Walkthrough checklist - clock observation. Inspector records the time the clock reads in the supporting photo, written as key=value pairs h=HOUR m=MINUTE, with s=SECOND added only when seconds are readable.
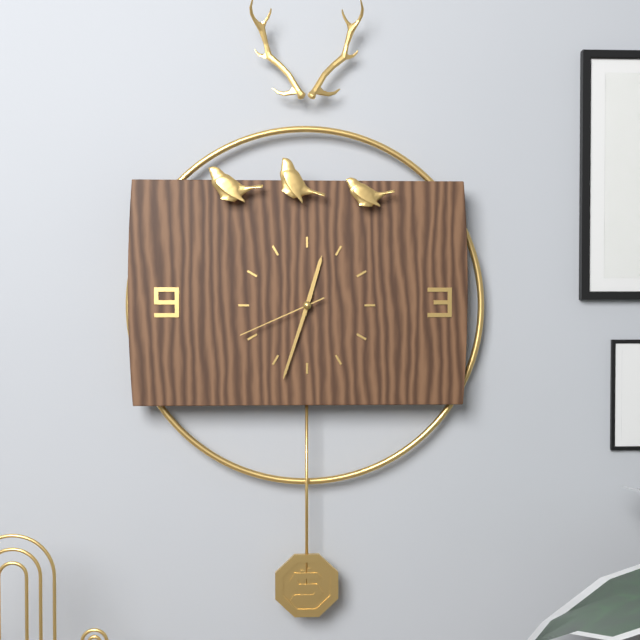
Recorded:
h=12 m=33 s=41
